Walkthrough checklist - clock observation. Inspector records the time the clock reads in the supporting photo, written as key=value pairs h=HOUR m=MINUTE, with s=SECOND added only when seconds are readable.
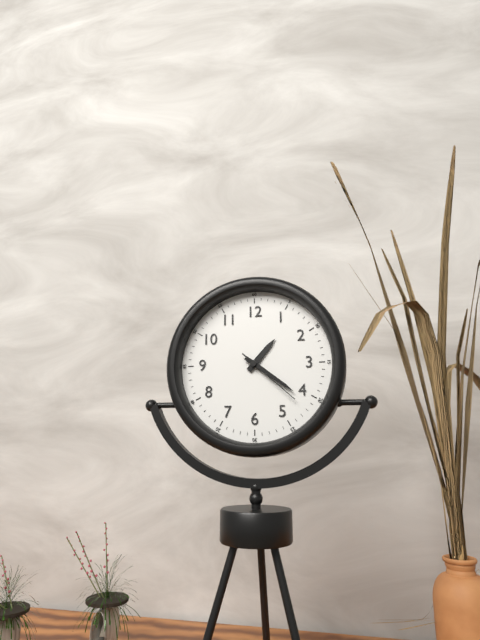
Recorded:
h=1 m=21 s=22
